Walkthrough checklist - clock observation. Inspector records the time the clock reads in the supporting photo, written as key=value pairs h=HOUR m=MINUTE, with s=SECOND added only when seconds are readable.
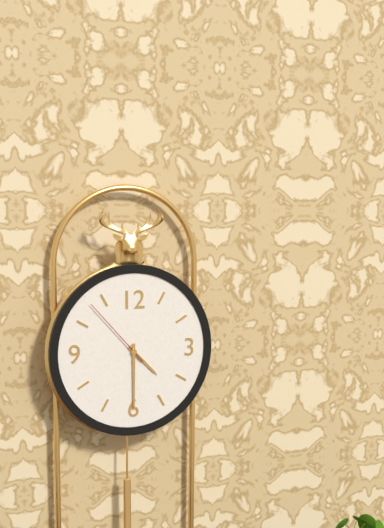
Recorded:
h=4 m=30 s=53
